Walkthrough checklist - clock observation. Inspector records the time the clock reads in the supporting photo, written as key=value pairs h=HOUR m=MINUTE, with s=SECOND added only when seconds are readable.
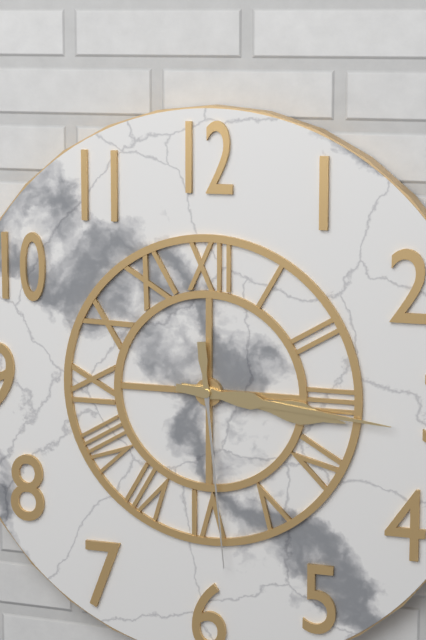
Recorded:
h=3 m=16 s=29
